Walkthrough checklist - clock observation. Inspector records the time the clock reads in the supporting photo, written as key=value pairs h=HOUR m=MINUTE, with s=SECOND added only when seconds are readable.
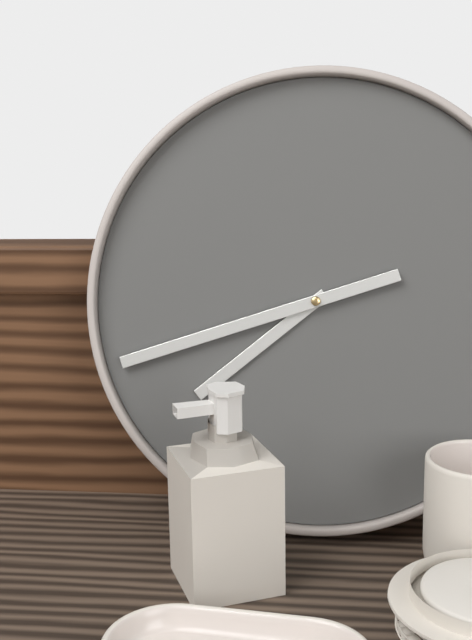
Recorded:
h=7 m=42
